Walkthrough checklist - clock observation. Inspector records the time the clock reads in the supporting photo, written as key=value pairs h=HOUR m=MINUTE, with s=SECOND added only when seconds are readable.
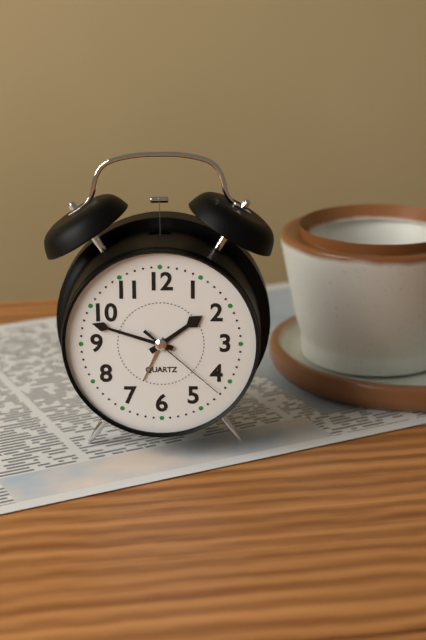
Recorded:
h=1 m=48 s=22
